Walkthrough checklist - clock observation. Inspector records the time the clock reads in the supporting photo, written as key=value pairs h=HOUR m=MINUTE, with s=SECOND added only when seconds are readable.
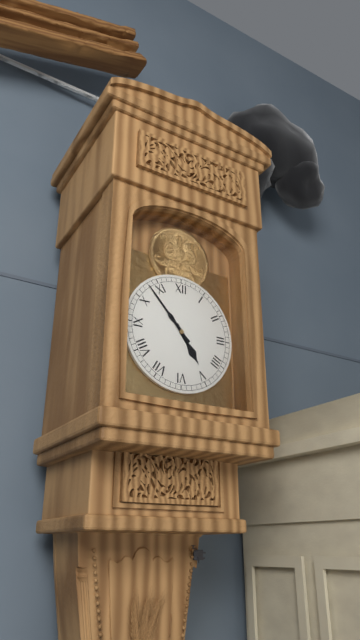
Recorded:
h=4 m=53
